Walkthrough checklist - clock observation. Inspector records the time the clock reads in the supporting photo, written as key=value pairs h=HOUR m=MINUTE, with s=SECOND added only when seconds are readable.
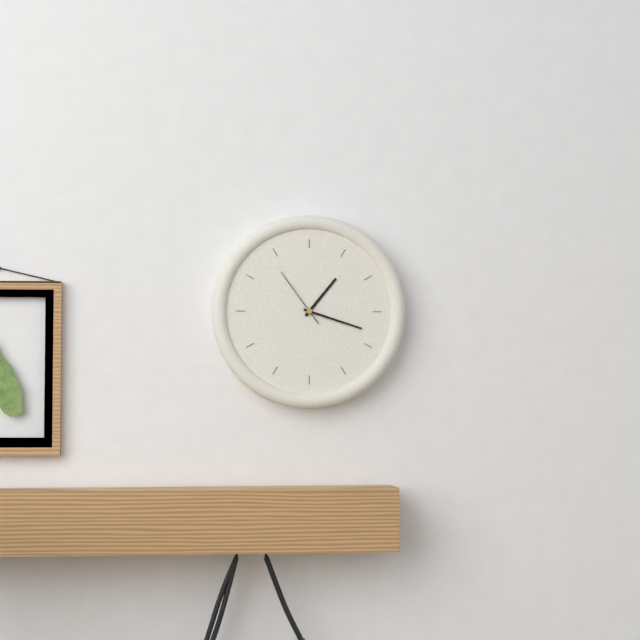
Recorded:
h=1 m=18 s=54
